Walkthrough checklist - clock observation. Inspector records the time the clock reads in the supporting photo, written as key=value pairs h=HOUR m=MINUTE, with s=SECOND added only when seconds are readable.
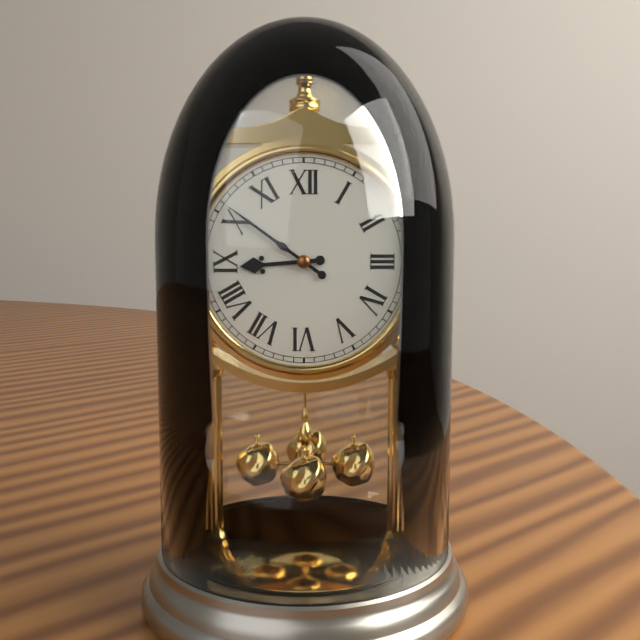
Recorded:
h=8 m=51
